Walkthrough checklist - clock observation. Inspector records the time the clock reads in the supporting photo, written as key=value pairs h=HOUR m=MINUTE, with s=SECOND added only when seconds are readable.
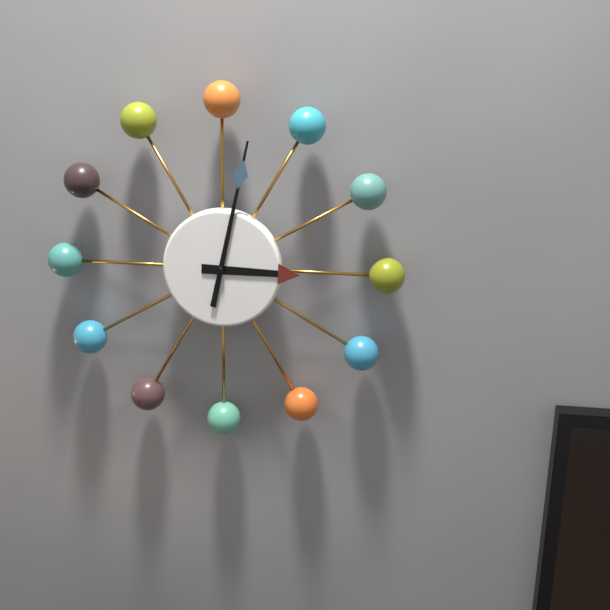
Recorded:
h=3 m=2
